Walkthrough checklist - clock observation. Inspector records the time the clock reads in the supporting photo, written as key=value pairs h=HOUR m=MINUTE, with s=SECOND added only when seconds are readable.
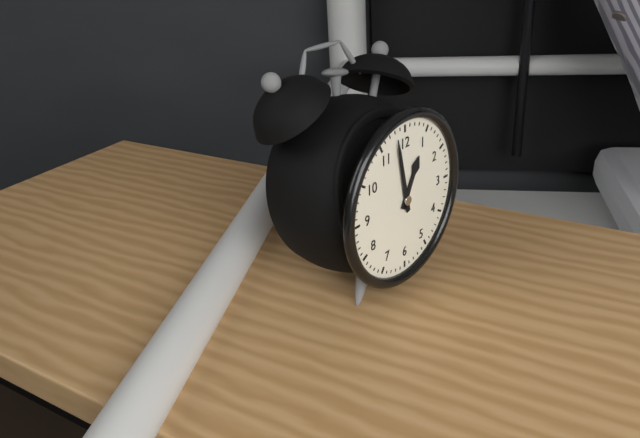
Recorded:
h=12 m=58
